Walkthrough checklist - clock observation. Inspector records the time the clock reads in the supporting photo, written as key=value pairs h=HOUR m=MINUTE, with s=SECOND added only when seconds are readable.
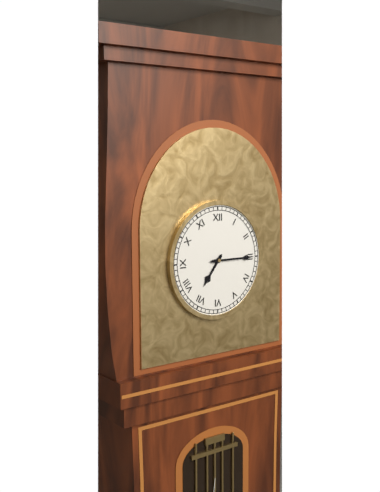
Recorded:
h=7 m=15
